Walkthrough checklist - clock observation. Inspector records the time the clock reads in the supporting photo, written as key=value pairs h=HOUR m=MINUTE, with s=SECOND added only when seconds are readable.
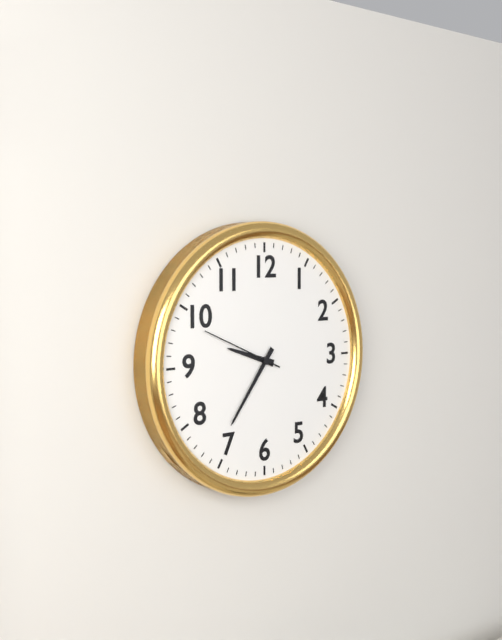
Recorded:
h=9 m=36 s=49
